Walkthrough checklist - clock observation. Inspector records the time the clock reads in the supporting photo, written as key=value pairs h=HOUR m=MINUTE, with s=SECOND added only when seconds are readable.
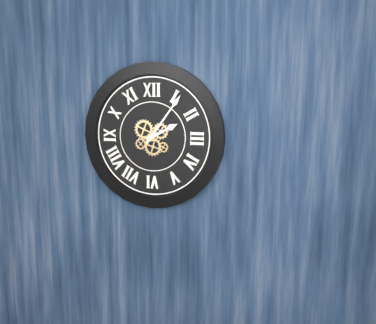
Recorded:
h=2 m=6
